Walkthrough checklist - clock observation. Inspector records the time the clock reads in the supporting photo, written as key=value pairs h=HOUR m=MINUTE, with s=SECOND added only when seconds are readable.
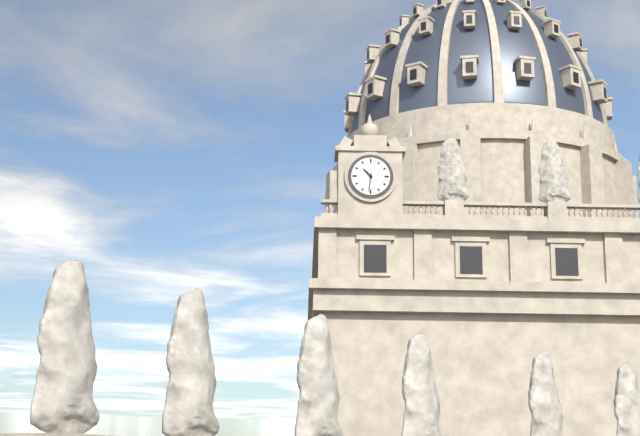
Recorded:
h=10 m=31
